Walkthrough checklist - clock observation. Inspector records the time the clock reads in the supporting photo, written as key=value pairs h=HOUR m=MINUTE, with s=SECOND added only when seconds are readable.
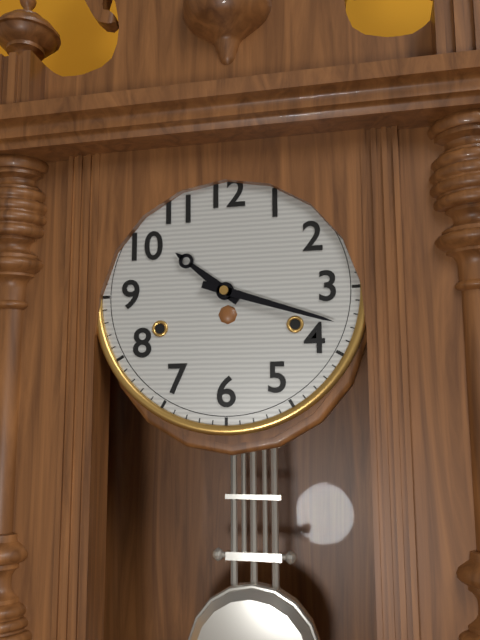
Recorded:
h=10 m=18
